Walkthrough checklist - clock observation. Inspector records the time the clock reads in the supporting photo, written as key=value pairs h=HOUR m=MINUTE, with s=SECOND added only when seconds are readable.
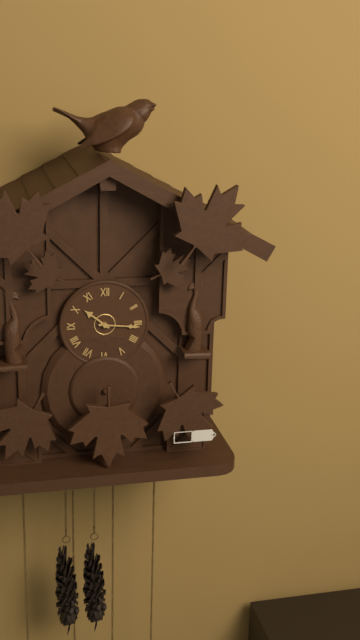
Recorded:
h=10 m=16
